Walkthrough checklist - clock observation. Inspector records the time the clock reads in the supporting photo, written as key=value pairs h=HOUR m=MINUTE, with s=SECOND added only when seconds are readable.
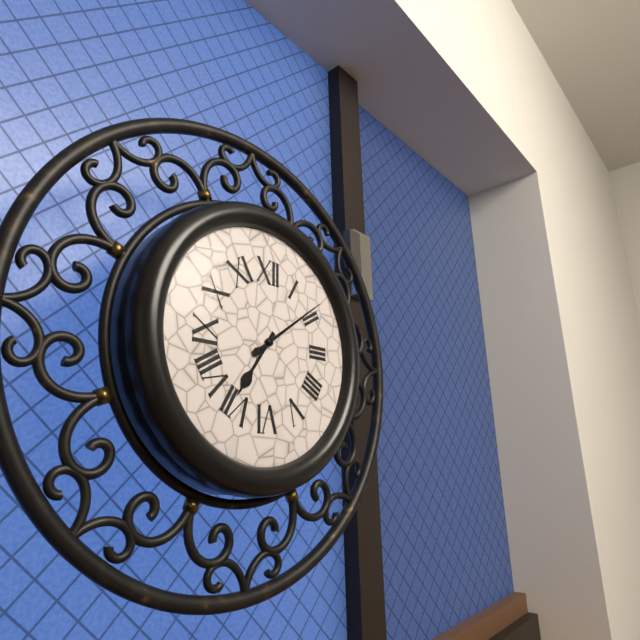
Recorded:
h=7 m=9
